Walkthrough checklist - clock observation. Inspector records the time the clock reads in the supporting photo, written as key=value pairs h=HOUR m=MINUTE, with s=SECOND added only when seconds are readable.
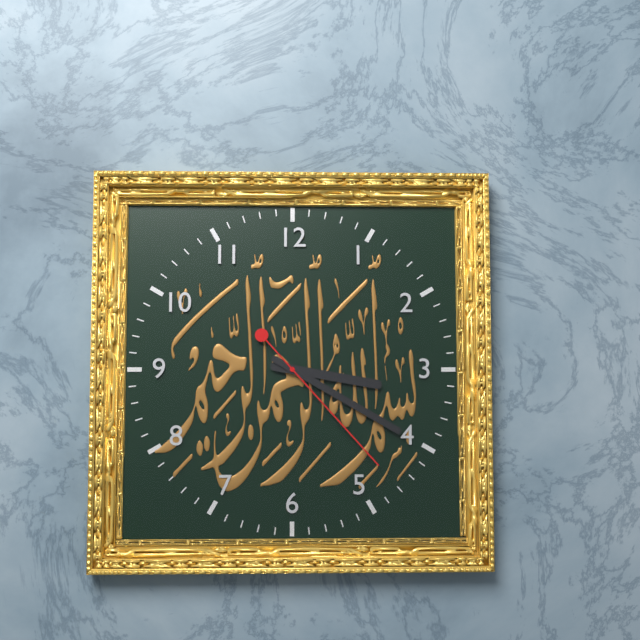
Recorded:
h=3 m=20 s=23
